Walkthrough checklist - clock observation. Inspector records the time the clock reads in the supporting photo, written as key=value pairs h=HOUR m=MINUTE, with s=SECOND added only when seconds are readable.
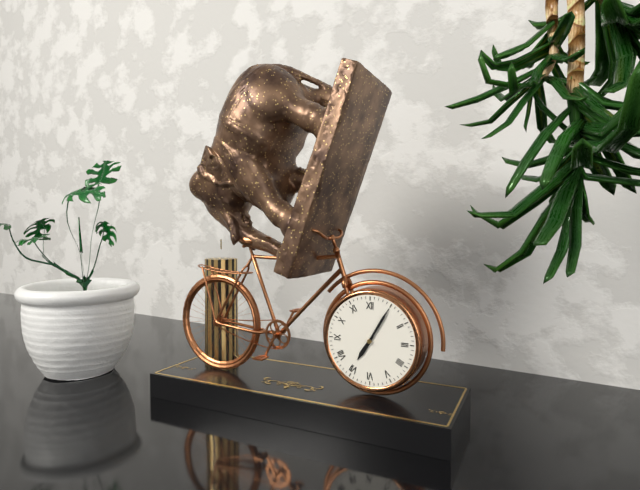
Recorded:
h=7 m=5
